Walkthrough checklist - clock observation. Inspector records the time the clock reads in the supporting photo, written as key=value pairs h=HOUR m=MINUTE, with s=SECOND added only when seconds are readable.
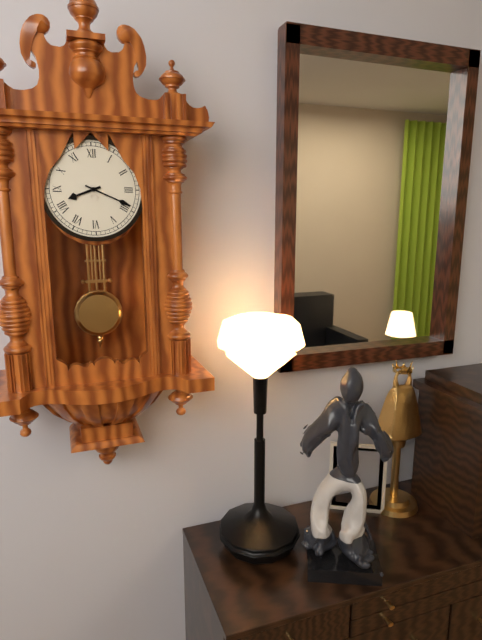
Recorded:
h=8 m=19
